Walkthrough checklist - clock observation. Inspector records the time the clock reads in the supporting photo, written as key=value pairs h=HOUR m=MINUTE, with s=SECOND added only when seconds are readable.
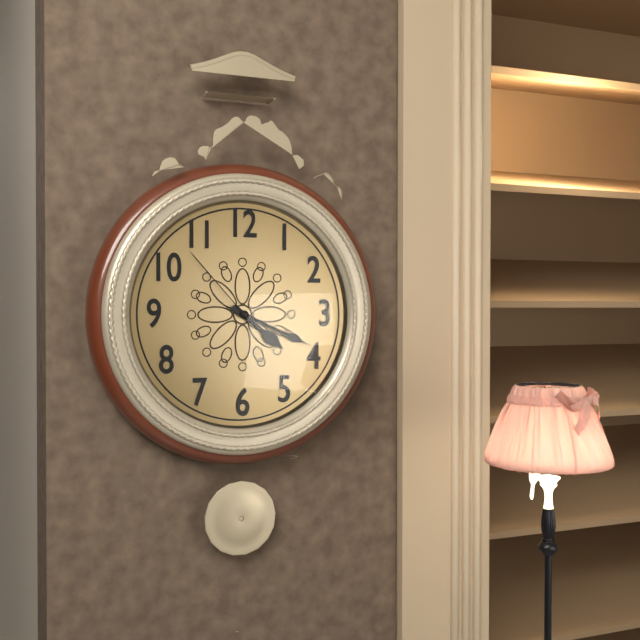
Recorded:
h=4 m=19 s=53
